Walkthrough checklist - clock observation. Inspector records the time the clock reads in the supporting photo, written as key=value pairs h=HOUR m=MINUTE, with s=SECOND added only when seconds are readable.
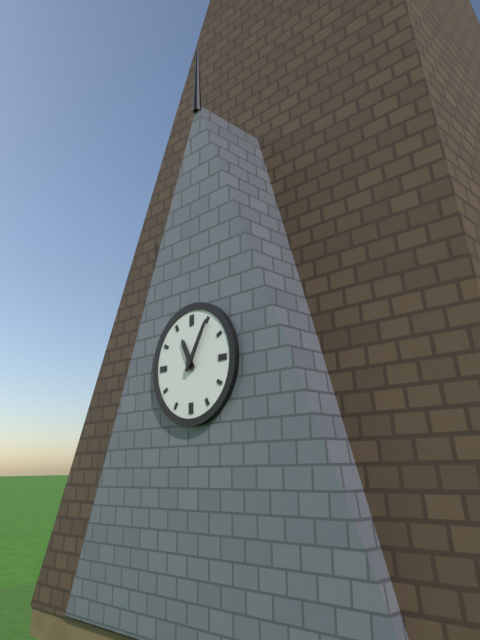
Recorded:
h=11 m=5
